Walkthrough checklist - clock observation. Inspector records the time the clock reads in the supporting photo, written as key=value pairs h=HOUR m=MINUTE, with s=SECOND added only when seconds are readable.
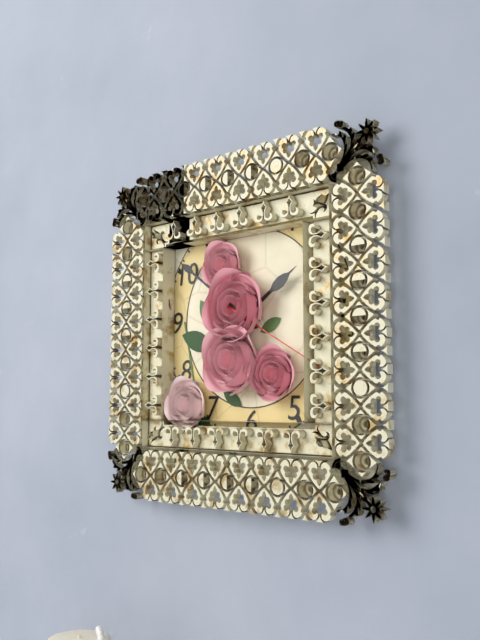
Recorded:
h=1 m=51 s=20
